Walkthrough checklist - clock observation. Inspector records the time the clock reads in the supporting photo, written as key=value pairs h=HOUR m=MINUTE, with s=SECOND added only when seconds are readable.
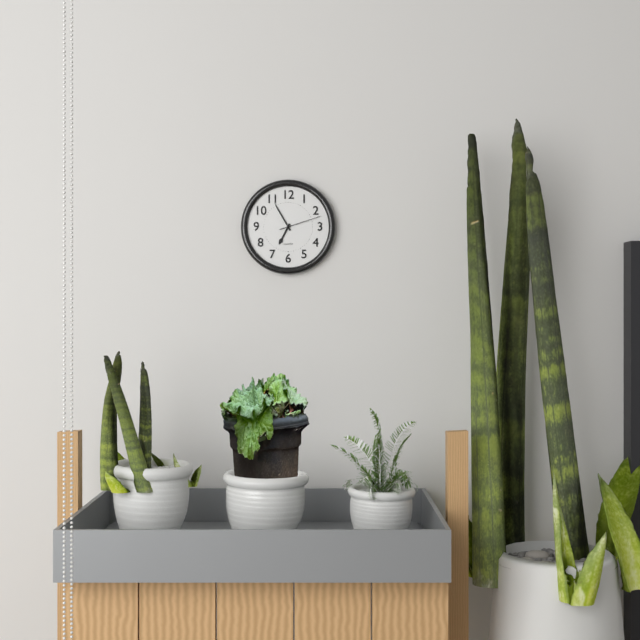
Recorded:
h=6 m=55
